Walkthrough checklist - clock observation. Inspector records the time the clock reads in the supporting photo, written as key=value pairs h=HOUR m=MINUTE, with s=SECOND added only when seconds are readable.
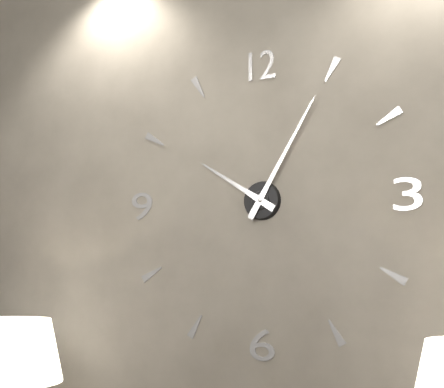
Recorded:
h=10 m=5
